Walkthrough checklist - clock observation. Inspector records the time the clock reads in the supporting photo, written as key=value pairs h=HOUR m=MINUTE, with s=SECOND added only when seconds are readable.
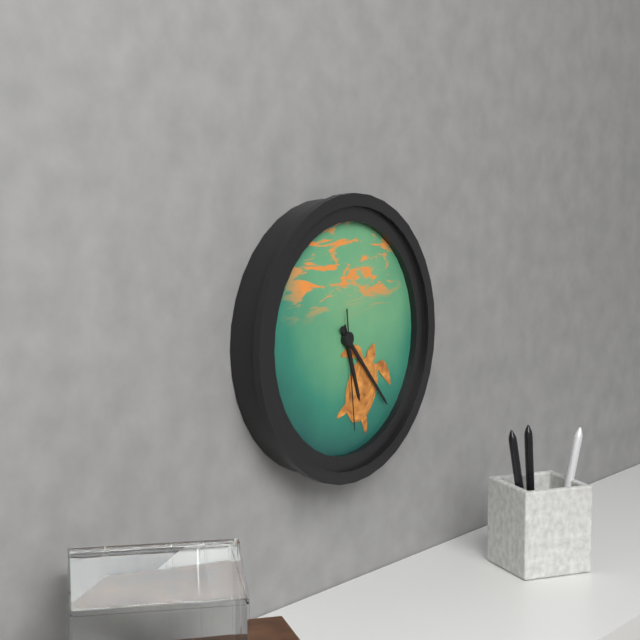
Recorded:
h=5 m=23 s=29
